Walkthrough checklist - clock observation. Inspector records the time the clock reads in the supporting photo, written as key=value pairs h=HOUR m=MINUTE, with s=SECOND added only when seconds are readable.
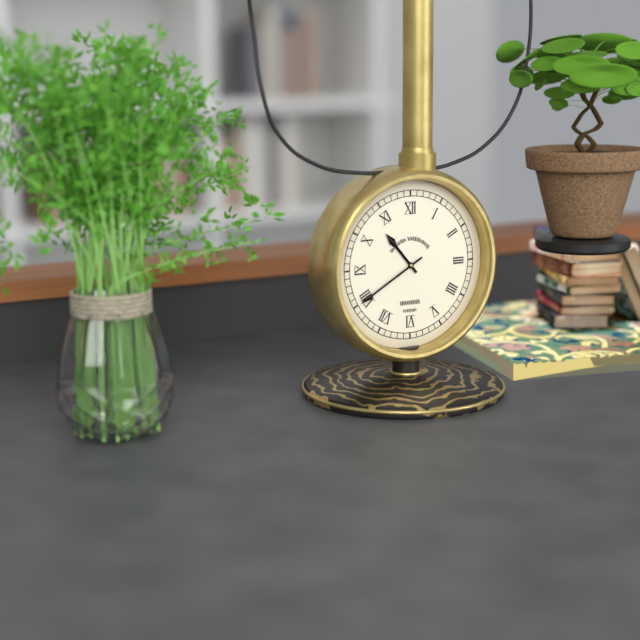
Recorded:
h=10 m=40
